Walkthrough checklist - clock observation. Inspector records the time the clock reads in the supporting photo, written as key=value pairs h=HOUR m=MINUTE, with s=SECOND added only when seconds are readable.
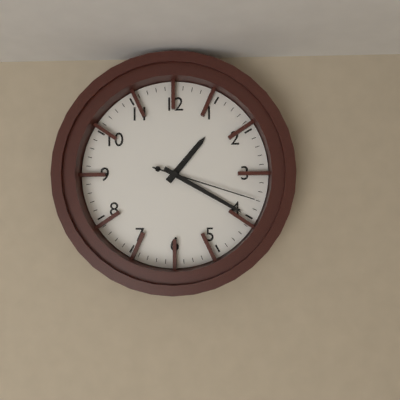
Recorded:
h=1 m=20 s=18
